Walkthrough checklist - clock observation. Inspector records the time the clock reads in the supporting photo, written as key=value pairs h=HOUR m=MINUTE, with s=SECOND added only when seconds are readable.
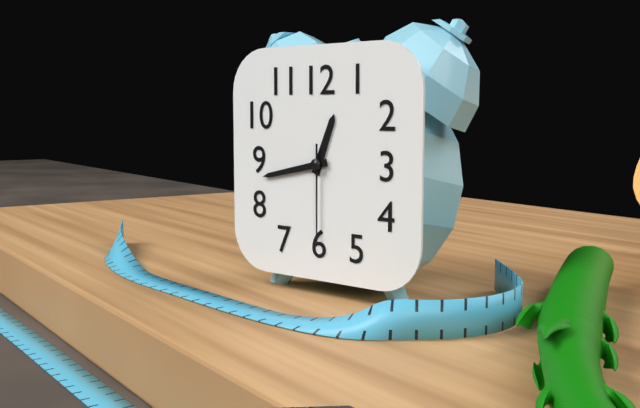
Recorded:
h=12 m=43 s=30
